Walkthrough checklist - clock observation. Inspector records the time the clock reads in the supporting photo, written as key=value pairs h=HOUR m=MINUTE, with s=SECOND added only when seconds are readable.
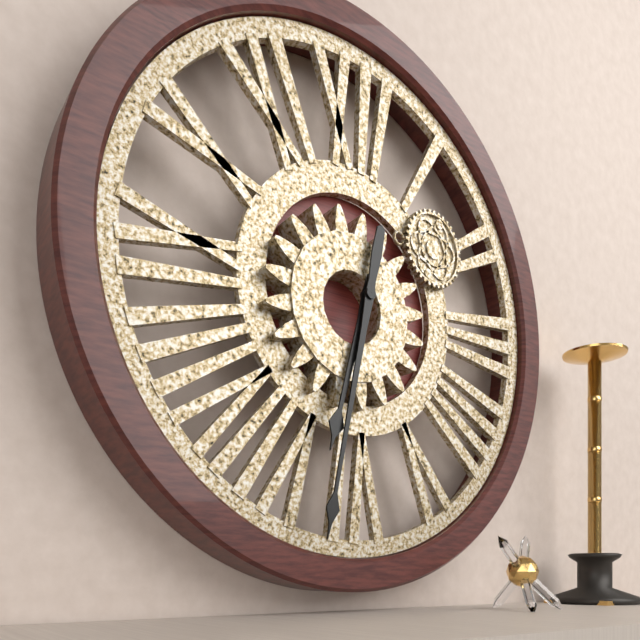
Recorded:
h=6 m=32
